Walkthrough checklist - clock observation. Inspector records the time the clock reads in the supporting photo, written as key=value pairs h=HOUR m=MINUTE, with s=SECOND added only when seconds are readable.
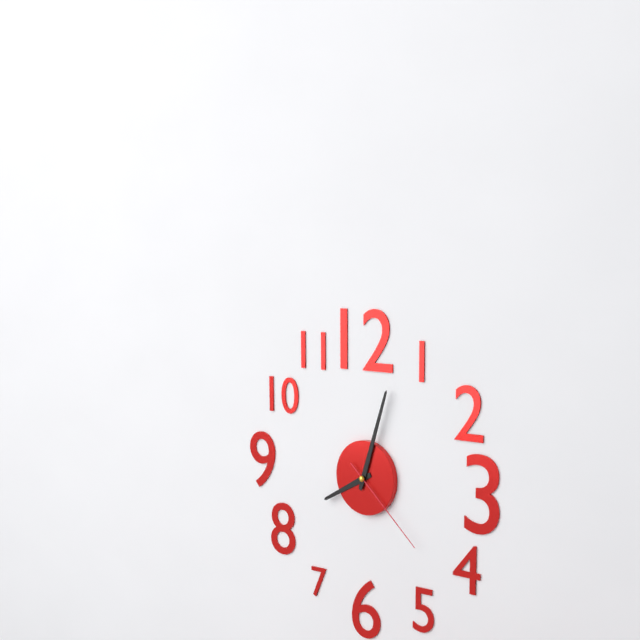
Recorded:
h=8 m=3 s=22
